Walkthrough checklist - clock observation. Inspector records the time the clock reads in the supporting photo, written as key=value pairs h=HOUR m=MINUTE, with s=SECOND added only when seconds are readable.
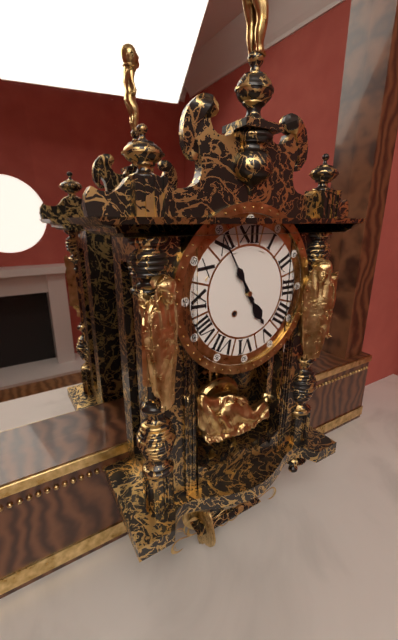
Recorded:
h=4 m=55
